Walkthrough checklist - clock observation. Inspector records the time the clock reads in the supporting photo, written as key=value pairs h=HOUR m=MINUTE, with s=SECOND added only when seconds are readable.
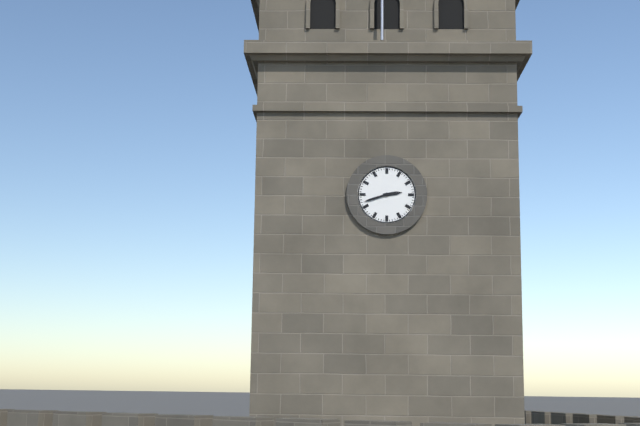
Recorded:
h=2 m=42
